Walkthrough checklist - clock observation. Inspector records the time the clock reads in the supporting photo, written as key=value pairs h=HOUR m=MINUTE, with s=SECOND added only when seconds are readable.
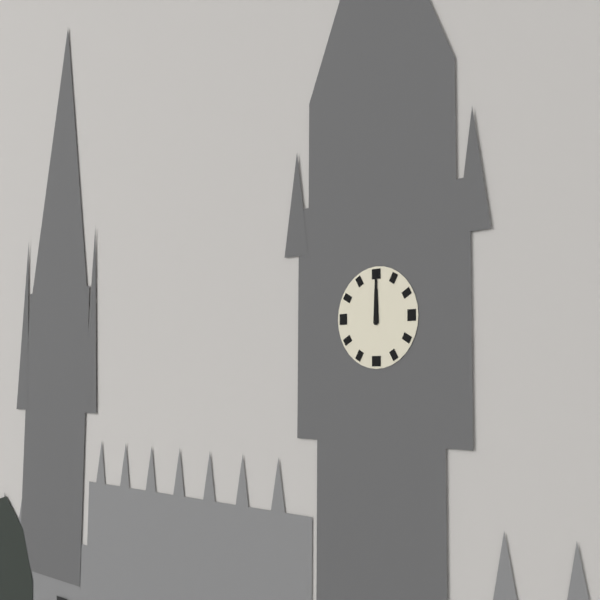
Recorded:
h=12 m=0
